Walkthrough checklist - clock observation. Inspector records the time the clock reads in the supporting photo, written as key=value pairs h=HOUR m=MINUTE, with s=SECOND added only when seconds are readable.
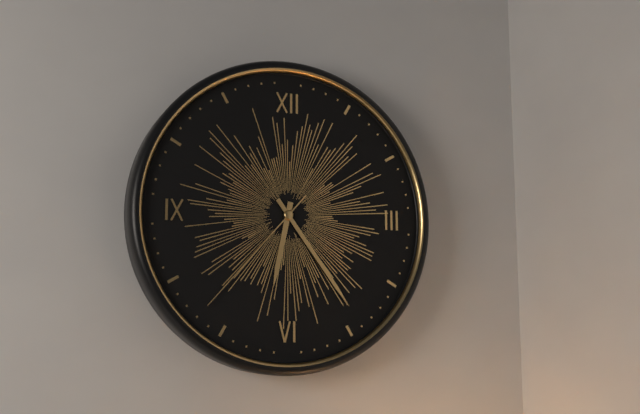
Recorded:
h=6 m=24 s=37
